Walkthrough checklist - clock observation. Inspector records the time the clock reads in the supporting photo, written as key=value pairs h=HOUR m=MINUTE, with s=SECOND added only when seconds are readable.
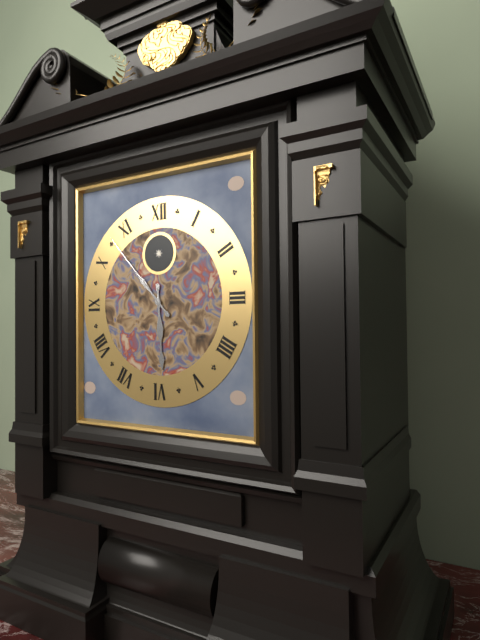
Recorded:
h=5 m=53
